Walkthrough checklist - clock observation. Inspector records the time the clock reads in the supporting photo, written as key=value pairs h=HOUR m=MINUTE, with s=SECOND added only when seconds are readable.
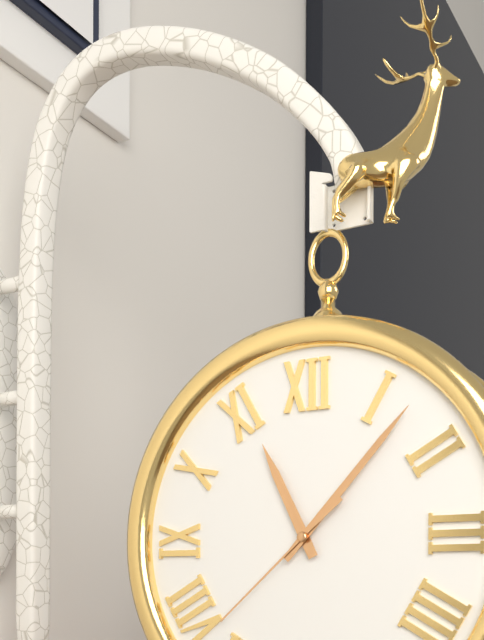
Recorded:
h=11 m=7 s=38
